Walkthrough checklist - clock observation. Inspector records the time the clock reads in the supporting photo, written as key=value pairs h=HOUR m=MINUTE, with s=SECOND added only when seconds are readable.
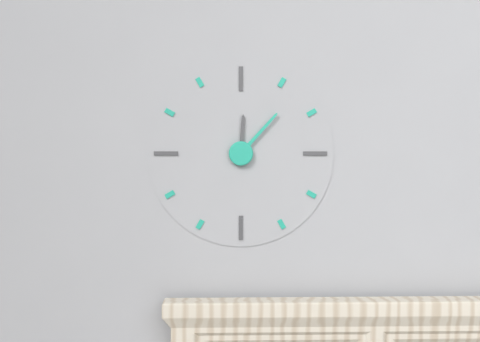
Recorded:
h=12 m=7
